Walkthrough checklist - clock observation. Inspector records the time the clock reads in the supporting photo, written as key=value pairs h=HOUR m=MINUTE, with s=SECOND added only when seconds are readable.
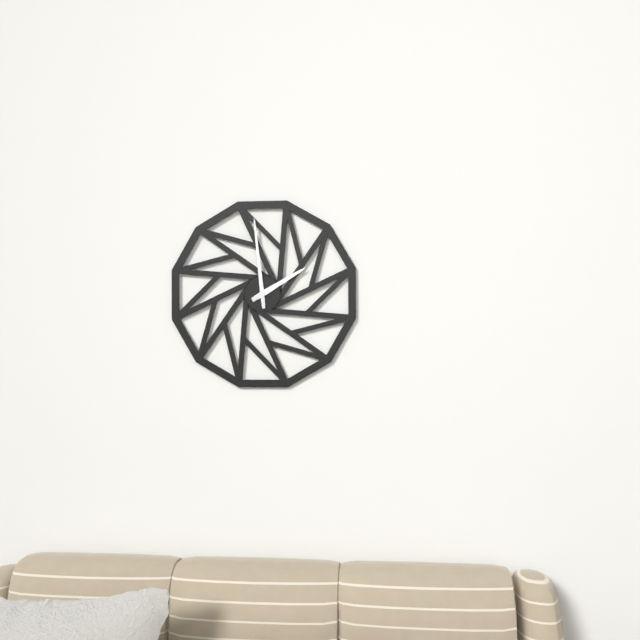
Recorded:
h=1 m=59
